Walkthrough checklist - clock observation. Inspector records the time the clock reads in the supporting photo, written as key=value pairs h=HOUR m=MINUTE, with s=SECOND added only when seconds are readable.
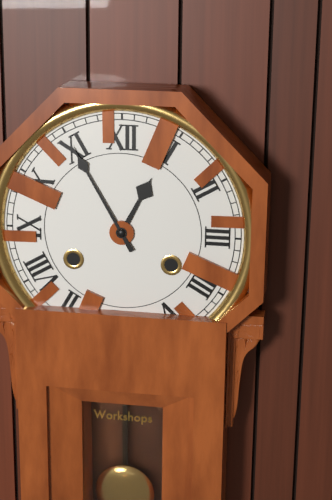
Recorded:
h=12 m=55
